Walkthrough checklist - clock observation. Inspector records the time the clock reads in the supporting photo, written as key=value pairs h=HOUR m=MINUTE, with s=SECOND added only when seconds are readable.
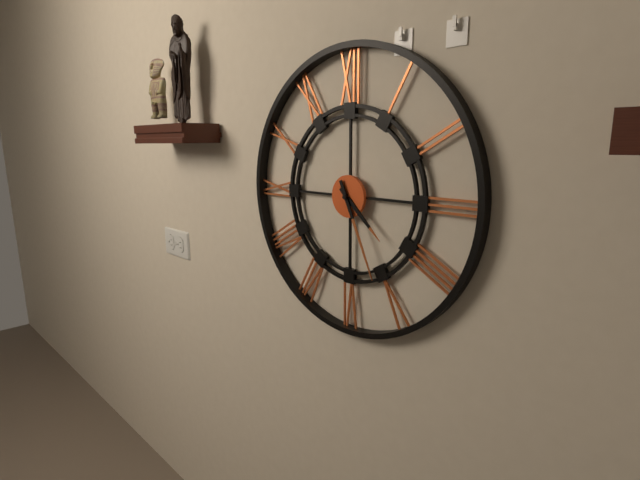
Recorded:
h=4 m=26
